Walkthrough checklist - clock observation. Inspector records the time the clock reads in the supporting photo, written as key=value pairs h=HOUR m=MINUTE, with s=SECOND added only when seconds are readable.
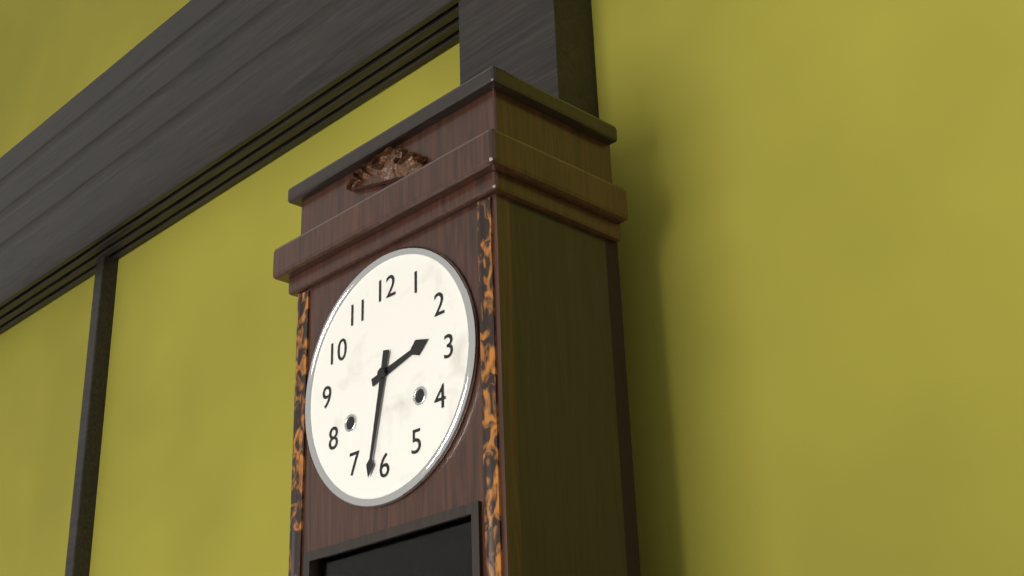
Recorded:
h=2 m=32
